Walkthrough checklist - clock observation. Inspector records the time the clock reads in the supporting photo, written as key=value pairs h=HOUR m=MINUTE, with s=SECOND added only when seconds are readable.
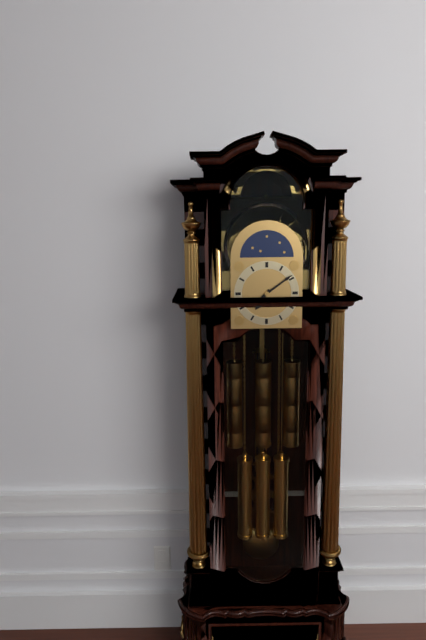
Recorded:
h=7 m=9
